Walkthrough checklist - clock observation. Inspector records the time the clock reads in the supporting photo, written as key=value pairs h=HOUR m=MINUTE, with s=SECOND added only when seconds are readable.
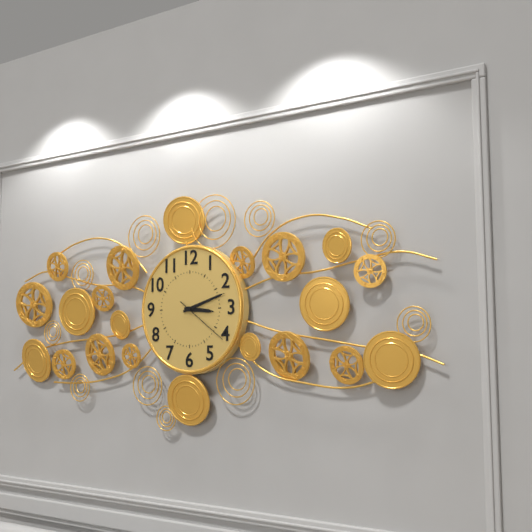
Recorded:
h=3 m=12 s=21
